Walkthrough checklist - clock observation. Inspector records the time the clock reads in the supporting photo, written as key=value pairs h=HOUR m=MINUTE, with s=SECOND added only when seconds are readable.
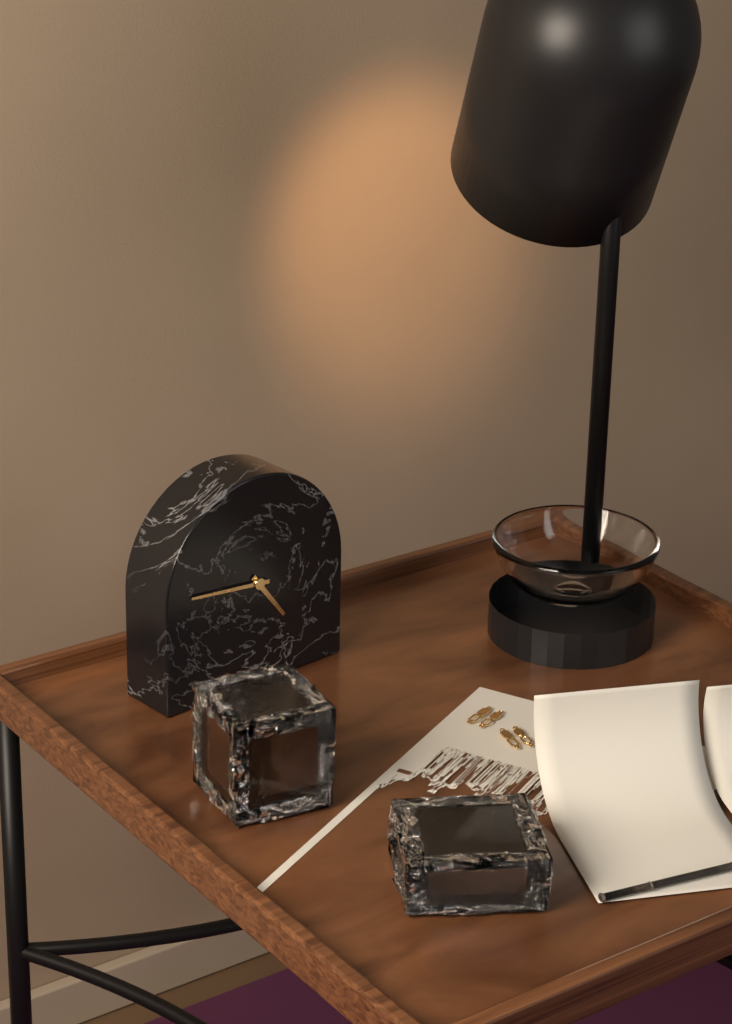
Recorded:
h=4 m=46
